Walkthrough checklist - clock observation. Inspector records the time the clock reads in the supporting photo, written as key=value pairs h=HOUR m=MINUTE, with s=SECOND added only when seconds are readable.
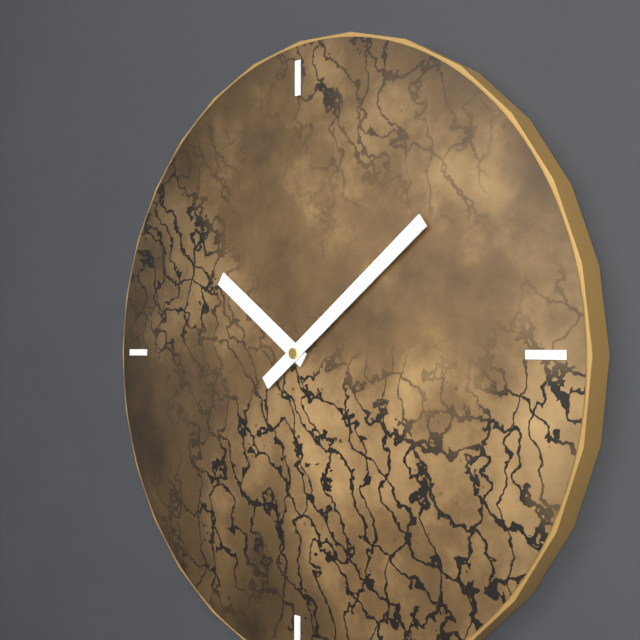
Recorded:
h=10 m=9
